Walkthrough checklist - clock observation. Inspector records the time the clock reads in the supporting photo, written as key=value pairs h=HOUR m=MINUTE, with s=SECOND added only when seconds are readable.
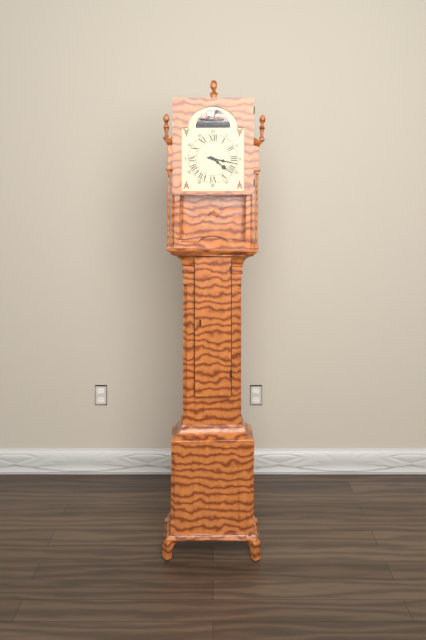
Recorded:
h=4 m=17
